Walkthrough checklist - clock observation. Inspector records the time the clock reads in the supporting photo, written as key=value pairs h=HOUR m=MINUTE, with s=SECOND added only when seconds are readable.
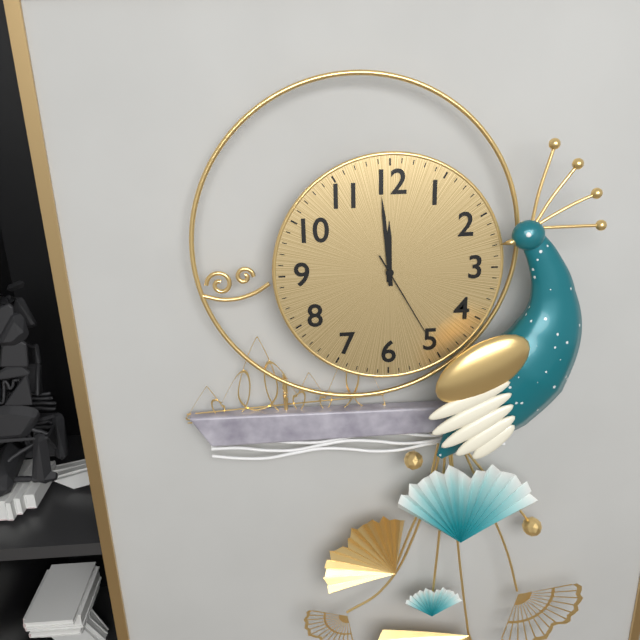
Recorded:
h=11 m=59 s=25
